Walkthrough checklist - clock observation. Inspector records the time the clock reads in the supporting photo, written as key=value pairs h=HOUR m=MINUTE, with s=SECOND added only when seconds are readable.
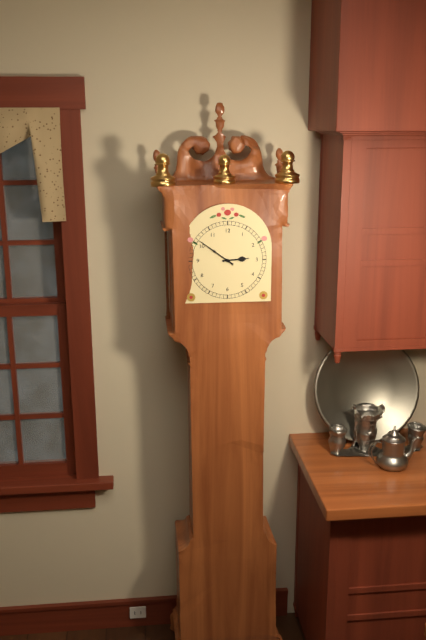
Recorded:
h=2 m=51
